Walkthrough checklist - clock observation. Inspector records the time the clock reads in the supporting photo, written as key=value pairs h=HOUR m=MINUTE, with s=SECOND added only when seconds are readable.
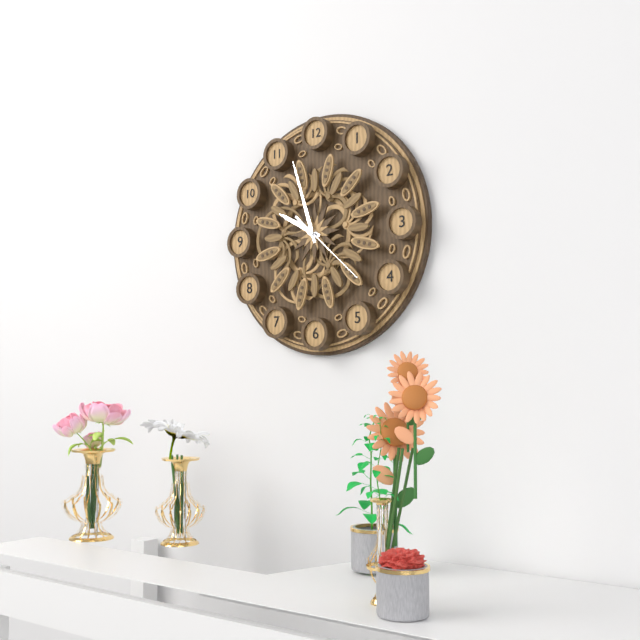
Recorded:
h=9 m=57 s=22
